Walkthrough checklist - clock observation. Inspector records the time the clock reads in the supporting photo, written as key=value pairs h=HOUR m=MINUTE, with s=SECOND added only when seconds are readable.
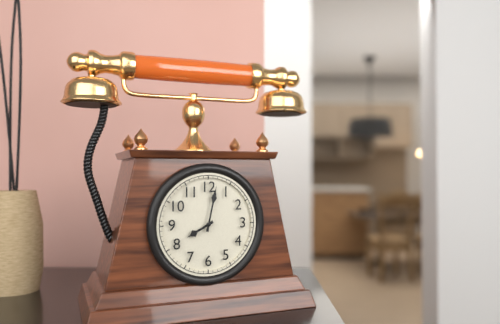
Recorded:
h=8 m=2
